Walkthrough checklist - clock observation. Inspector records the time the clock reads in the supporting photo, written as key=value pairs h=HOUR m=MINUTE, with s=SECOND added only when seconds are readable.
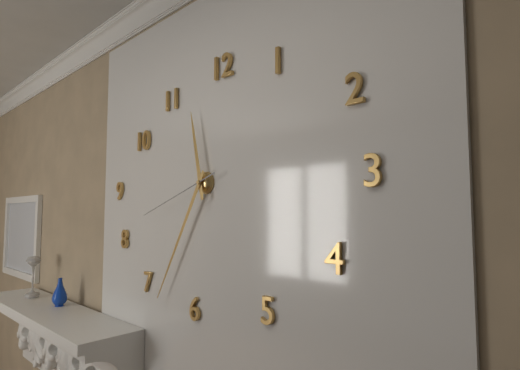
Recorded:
h=11 m=35 s=42
